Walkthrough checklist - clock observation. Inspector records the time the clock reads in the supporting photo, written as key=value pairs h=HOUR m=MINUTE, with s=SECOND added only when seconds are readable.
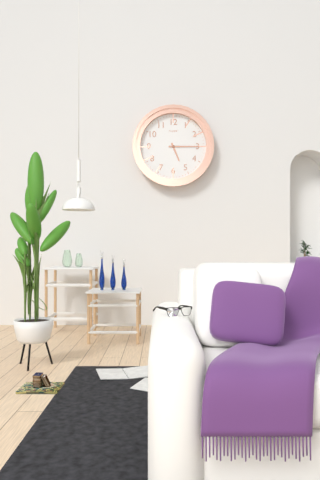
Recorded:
h=5 m=15
